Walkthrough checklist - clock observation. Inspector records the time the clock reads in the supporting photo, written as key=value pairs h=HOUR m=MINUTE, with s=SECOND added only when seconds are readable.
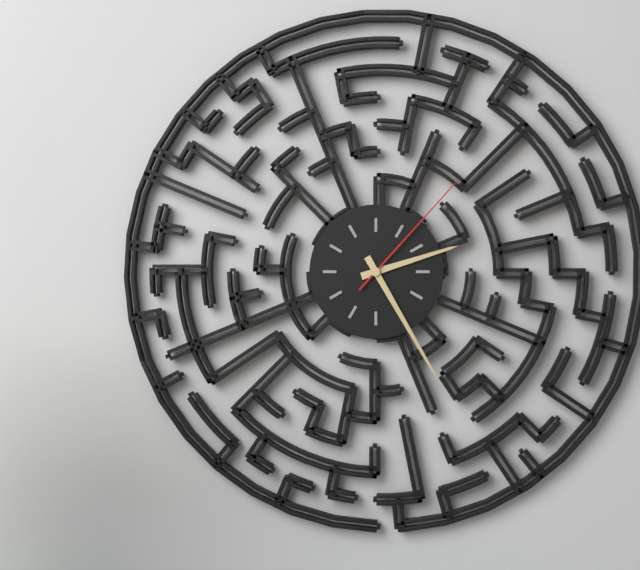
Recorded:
h=2 m=25 s=7
